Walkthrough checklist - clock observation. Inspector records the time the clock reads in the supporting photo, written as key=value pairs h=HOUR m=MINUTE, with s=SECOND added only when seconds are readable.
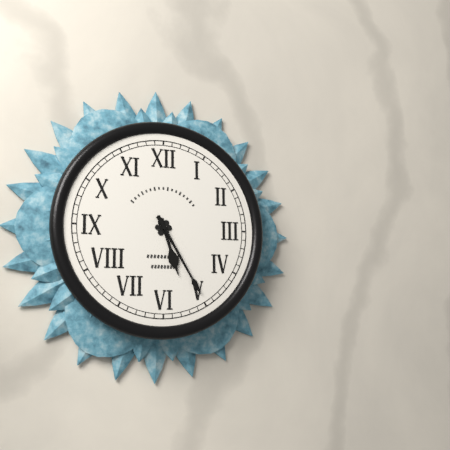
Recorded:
h=5 m=25
